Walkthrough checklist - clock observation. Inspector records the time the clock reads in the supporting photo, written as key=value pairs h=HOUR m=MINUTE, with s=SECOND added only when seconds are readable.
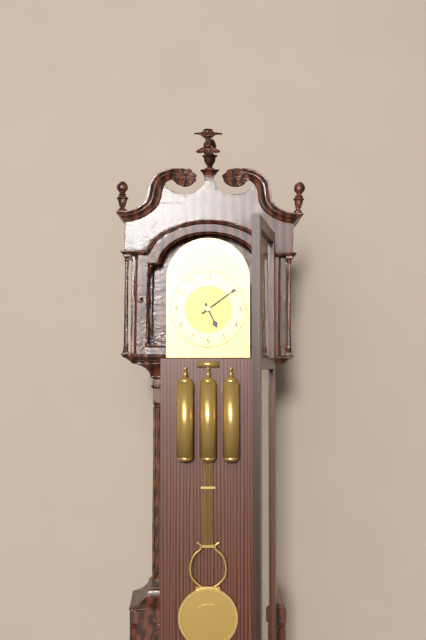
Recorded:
h=5 m=9
